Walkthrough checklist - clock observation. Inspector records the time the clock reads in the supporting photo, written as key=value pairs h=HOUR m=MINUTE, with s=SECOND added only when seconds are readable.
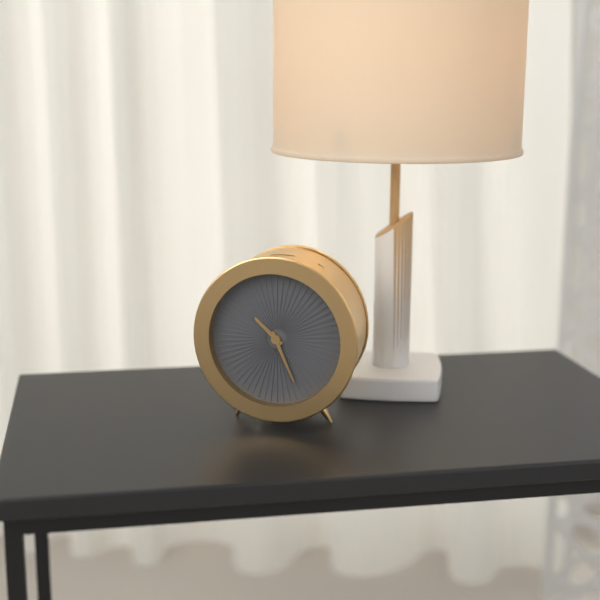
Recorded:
h=10 m=26
